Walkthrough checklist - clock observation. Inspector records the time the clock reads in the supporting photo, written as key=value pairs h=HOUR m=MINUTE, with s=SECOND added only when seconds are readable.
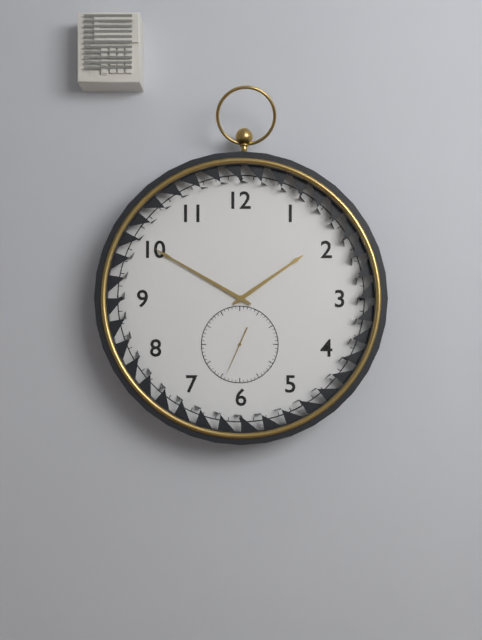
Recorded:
h=1 m=50
